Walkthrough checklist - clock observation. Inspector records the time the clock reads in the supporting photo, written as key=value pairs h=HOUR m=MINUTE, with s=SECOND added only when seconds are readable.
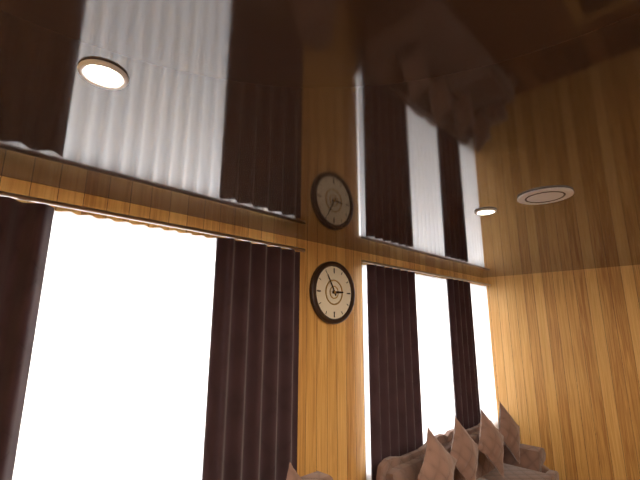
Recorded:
h=2 m=55
